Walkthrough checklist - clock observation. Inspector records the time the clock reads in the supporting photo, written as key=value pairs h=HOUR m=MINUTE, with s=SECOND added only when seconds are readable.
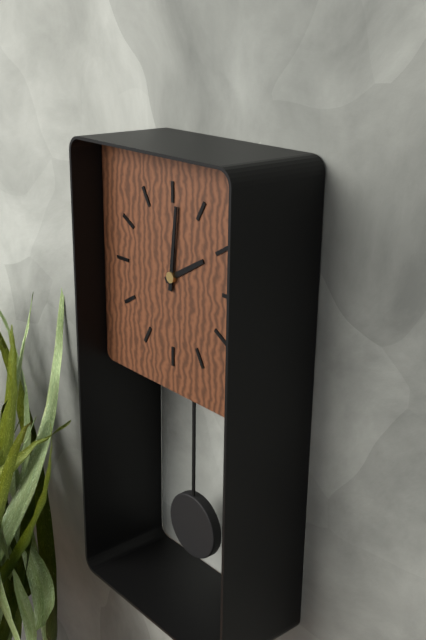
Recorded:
h=2 m=1
